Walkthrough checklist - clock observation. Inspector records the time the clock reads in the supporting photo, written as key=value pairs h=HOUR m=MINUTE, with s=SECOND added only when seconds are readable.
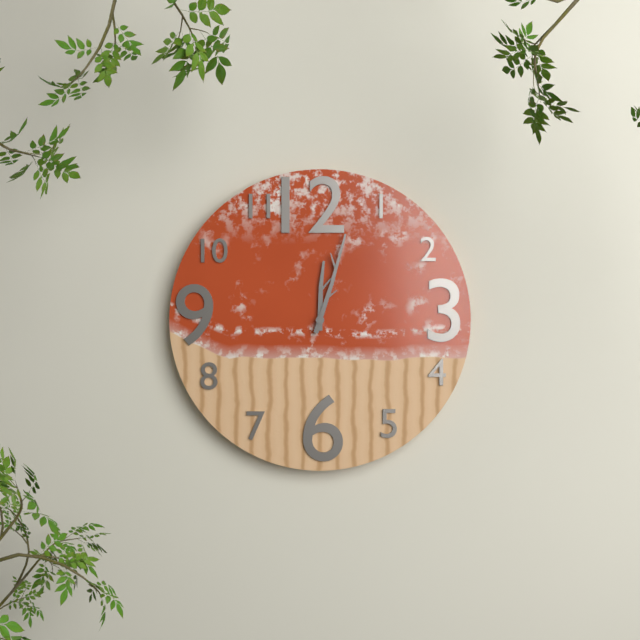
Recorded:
h=12 m=3
